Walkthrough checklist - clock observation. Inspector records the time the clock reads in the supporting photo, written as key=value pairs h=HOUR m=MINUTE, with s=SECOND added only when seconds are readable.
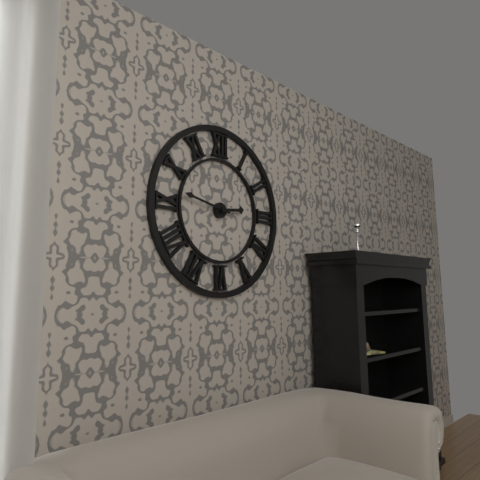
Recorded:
h=2 m=47
